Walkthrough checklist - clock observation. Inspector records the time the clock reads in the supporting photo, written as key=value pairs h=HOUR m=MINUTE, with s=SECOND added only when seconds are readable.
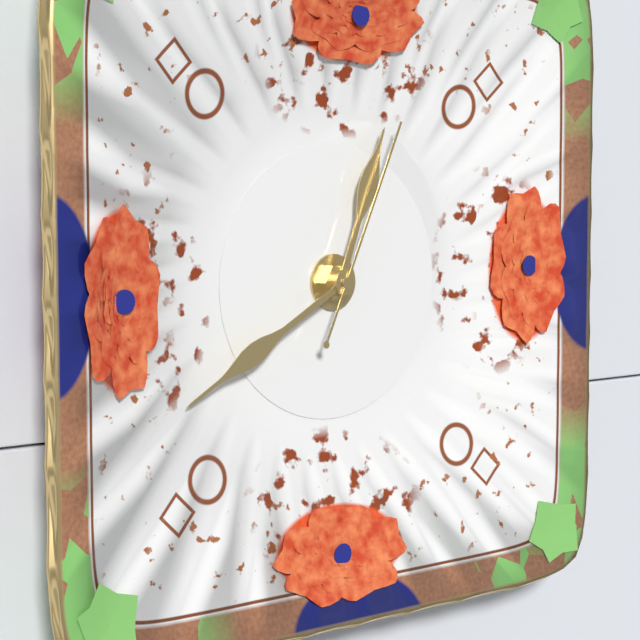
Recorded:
h=12 m=40 s=4
